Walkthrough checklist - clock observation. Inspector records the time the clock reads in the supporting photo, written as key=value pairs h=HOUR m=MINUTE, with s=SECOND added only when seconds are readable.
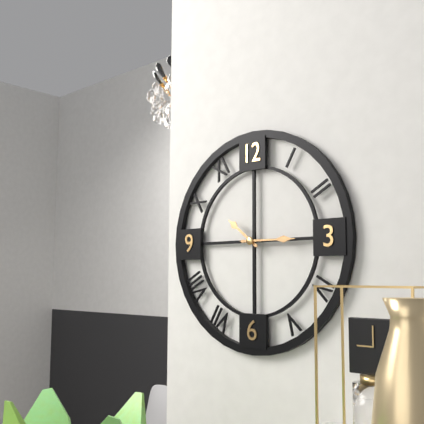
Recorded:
h=10 m=15
